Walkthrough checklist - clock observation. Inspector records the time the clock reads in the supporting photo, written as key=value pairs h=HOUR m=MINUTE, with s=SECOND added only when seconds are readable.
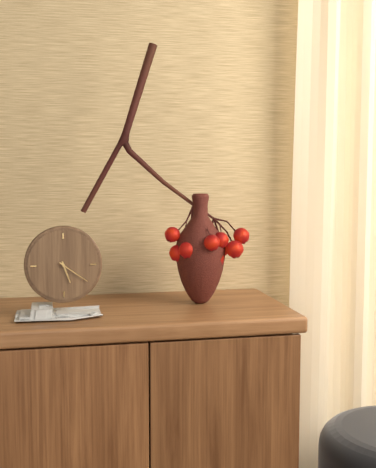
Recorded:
h=5 m=21
